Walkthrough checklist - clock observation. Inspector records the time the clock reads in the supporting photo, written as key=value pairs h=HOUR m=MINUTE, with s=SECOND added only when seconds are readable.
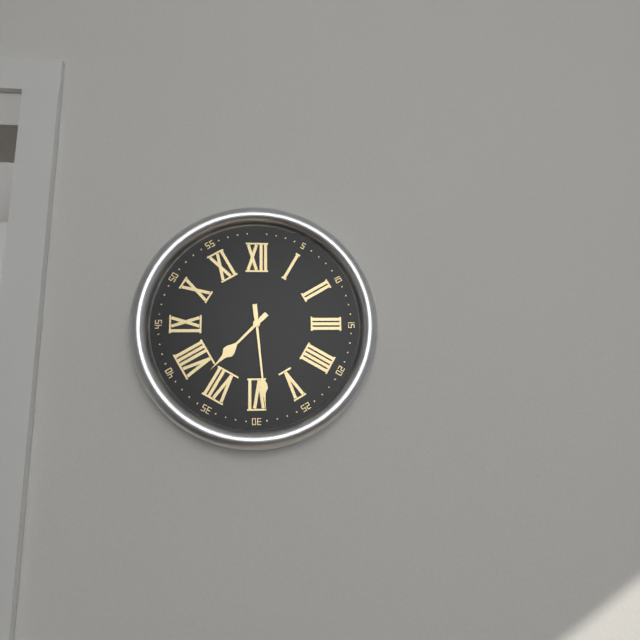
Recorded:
h=7 m=29
